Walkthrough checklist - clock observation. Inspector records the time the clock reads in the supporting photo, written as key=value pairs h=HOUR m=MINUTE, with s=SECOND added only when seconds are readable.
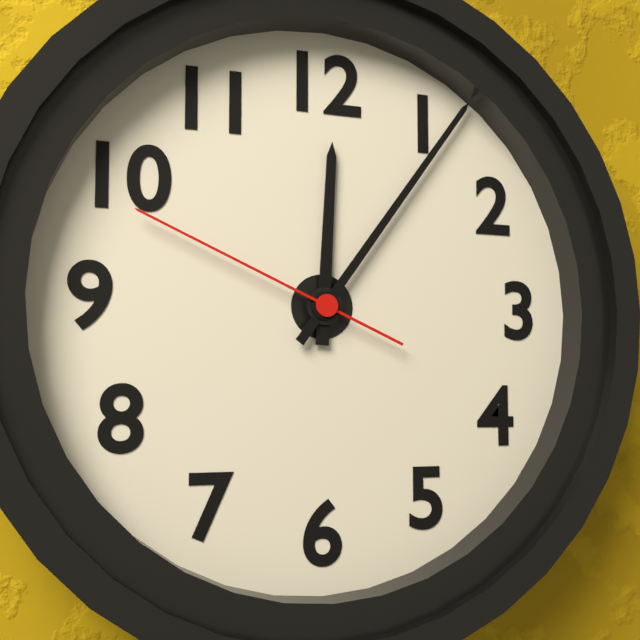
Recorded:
h=12 m=6 s=49
